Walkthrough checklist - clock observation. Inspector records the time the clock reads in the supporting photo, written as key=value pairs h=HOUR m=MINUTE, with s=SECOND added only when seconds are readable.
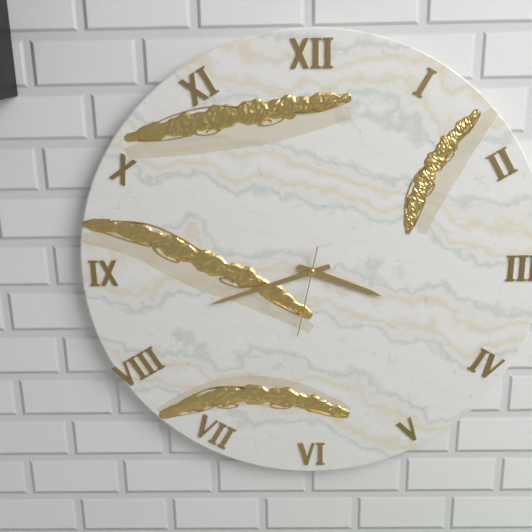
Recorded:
h=3 m=42 s=32
